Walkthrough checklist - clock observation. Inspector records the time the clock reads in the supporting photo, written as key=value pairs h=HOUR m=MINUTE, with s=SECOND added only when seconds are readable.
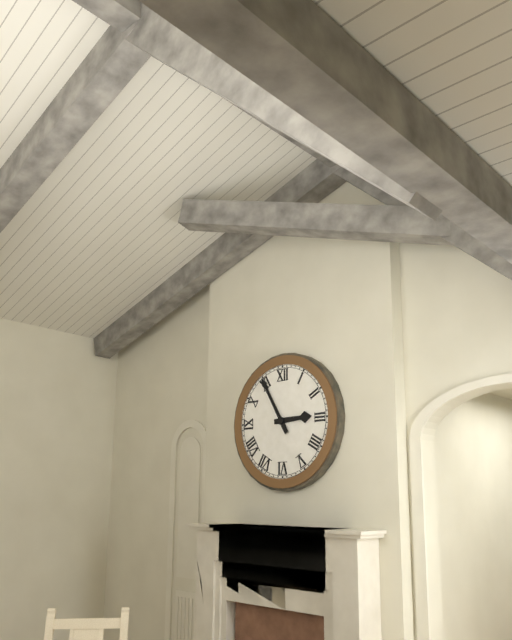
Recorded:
h=2 m=55
